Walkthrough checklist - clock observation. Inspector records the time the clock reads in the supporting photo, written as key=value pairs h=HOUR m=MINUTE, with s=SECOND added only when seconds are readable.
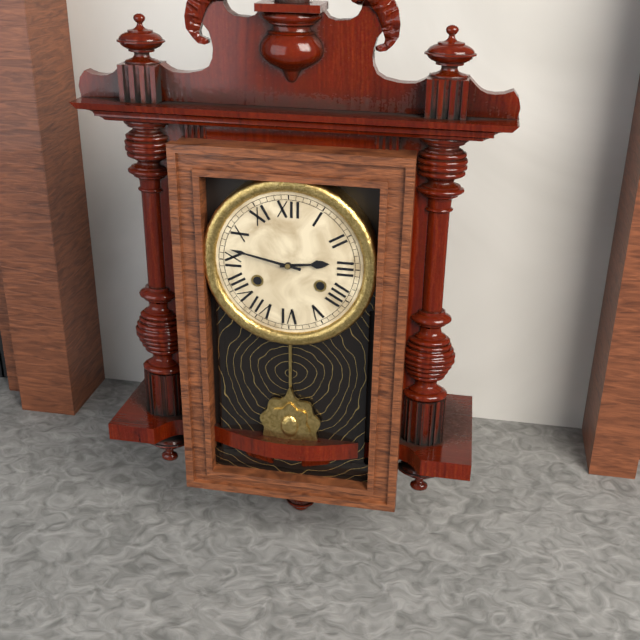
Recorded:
h=2 m=47
